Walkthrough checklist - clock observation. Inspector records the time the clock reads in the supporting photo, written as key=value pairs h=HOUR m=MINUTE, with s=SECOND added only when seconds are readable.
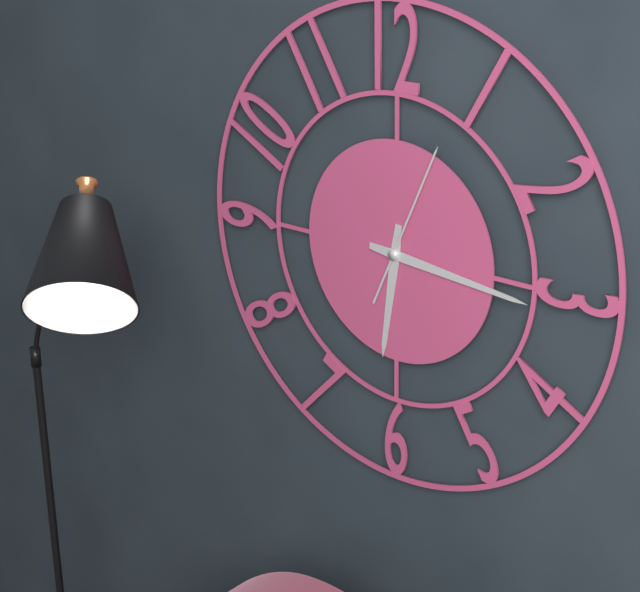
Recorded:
h=6 m=16 s=4
